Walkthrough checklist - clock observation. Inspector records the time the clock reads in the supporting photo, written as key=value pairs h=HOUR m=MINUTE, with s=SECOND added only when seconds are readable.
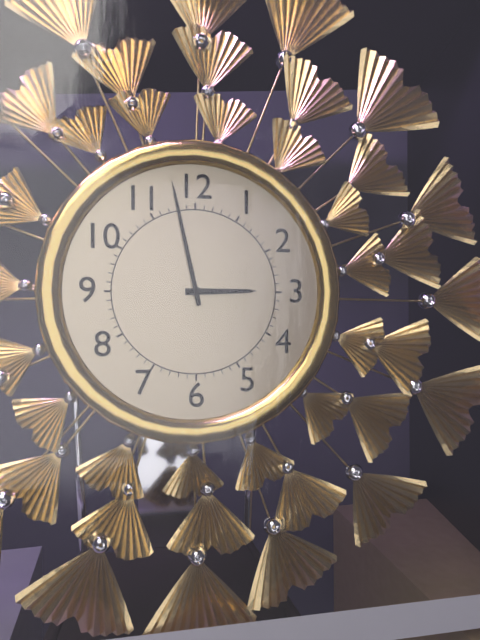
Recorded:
h=2 m=58
